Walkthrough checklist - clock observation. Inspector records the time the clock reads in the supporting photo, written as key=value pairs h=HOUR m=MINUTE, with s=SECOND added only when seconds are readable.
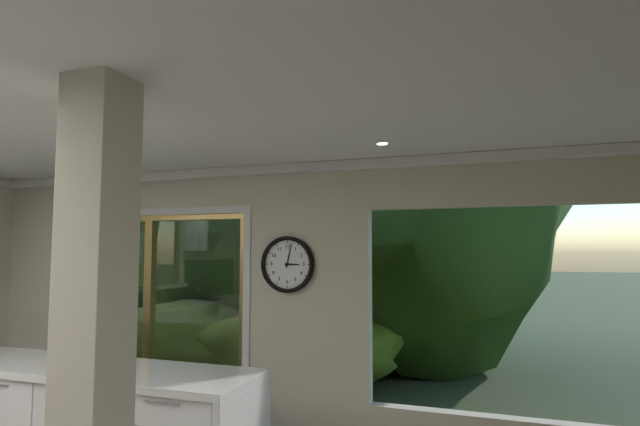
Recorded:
h=3 m=2
